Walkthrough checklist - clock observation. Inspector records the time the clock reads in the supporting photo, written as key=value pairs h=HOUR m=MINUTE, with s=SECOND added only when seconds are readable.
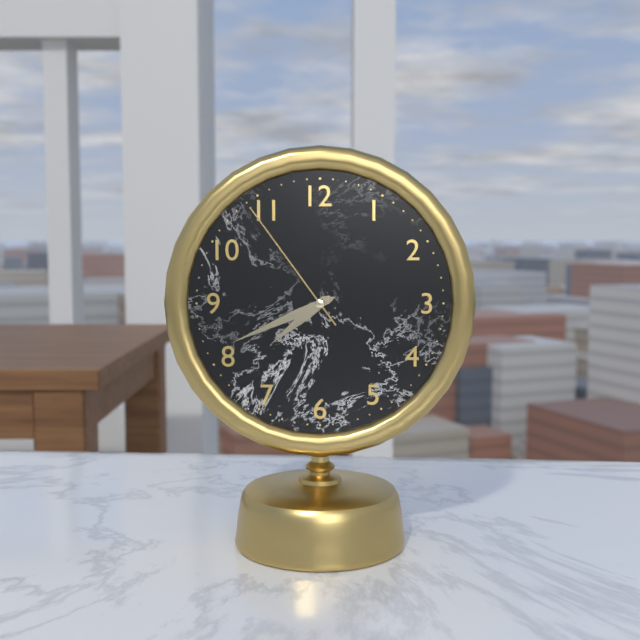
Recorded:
h=7 m=41 s=54
